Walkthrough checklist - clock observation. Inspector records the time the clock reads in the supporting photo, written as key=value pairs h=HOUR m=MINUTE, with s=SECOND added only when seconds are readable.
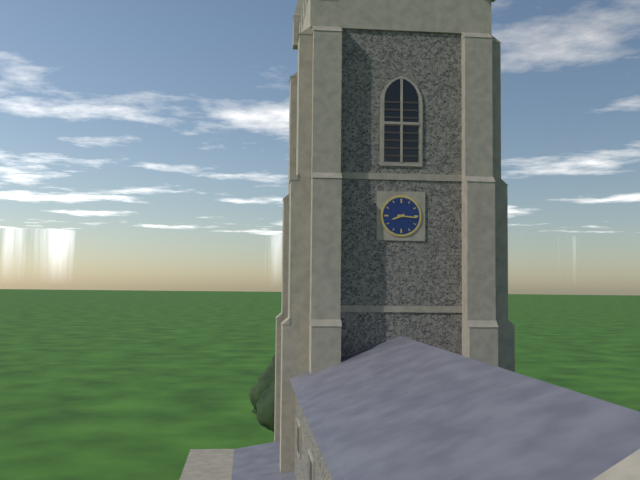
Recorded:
h=8 m=16
